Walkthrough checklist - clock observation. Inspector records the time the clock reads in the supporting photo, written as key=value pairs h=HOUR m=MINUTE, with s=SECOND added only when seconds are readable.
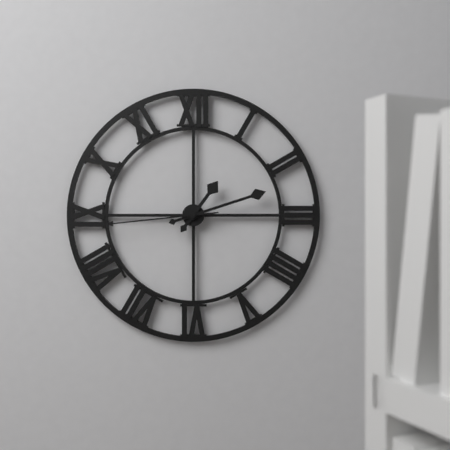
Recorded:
h=1 m=12 s=44
